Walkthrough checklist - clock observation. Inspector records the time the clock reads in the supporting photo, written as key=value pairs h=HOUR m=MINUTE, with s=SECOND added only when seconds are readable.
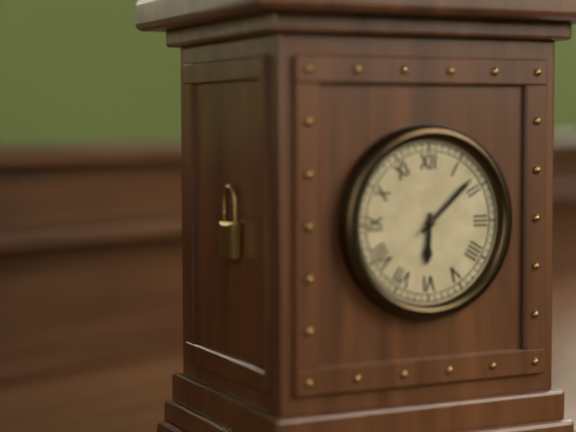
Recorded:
h=6 m=8
